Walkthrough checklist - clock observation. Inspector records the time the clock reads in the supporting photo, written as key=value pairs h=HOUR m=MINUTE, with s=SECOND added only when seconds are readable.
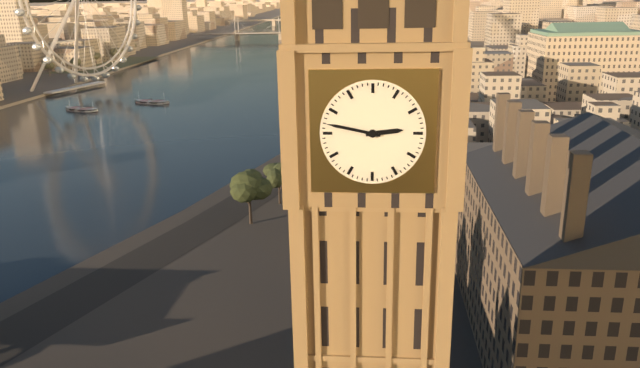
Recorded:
h=2 m=47
